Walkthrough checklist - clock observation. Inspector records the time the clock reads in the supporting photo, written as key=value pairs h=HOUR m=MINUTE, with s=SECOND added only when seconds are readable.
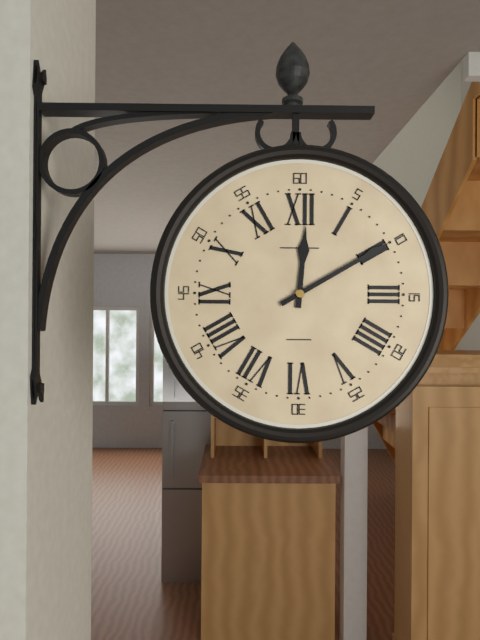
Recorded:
h=12 m=10
